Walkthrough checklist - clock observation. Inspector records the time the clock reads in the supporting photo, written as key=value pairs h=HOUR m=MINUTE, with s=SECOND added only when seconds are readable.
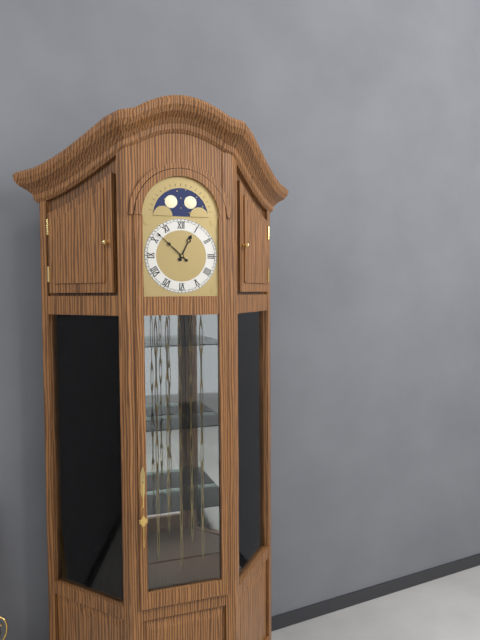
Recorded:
h=12 m=52
